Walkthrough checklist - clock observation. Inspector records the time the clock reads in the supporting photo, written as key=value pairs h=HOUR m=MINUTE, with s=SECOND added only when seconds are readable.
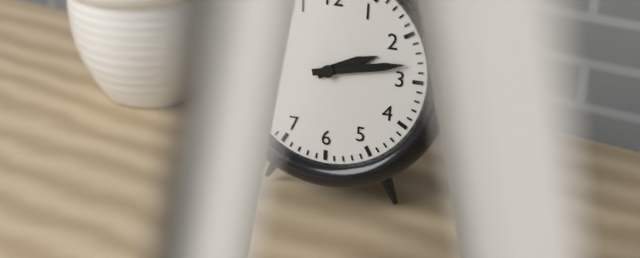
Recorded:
h=2 m=13
